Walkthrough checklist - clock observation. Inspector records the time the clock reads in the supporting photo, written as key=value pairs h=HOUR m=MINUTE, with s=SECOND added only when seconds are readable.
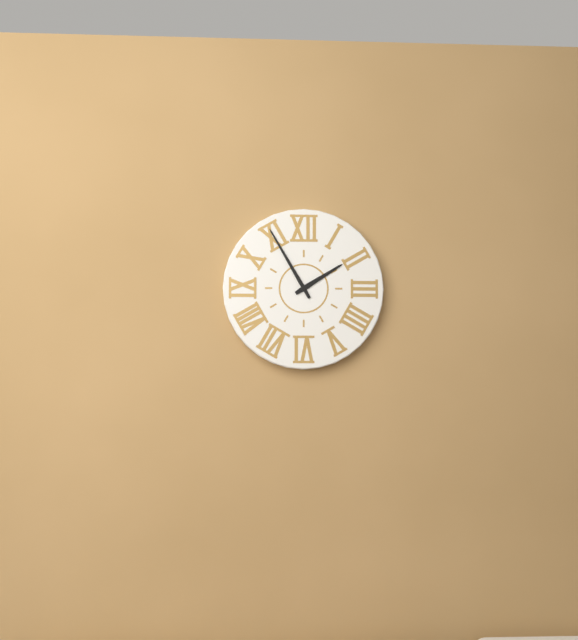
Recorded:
h=1 m=55
